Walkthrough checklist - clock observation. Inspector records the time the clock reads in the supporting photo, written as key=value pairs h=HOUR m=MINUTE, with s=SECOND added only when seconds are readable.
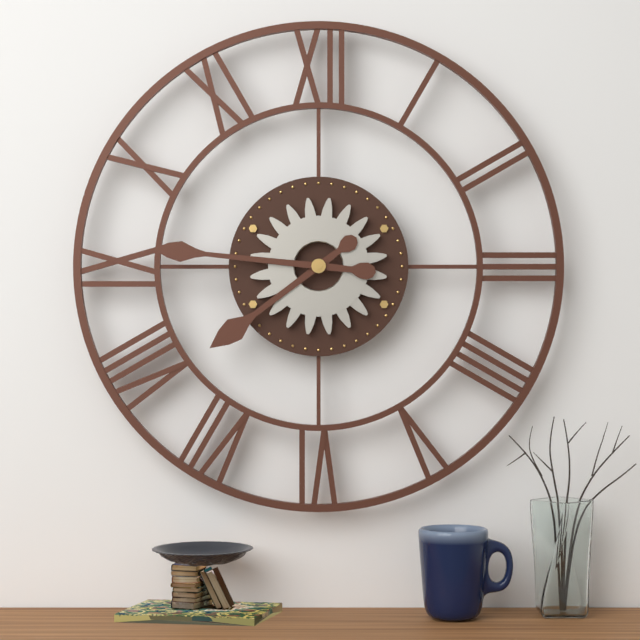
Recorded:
h=7 m=46
